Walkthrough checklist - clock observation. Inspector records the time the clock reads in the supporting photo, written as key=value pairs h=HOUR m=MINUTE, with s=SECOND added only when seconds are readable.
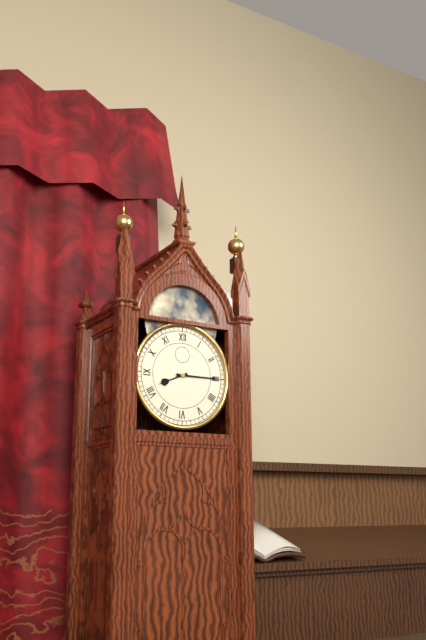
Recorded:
h=8 m=15
